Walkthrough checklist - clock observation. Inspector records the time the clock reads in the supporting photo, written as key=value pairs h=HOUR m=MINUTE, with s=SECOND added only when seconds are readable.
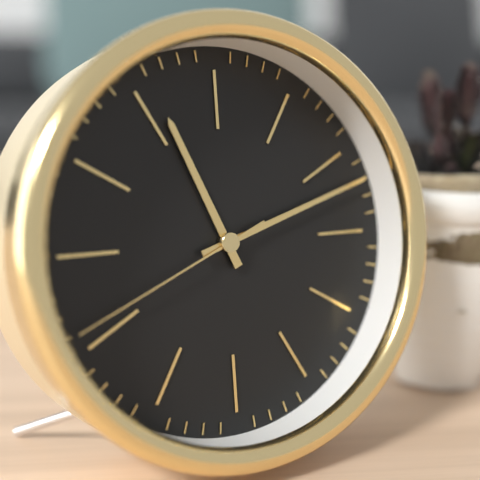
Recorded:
h=11 m=12 s=41
